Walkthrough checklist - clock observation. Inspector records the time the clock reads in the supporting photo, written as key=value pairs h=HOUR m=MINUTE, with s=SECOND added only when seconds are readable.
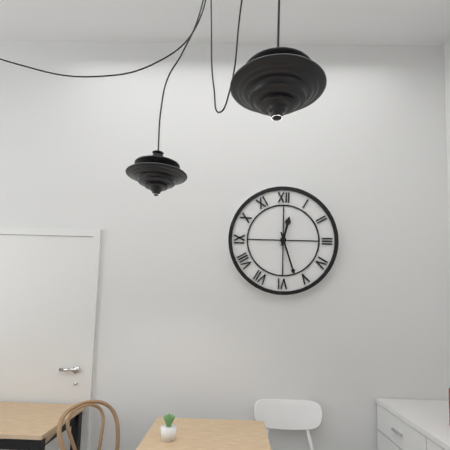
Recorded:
h=12 m=27
